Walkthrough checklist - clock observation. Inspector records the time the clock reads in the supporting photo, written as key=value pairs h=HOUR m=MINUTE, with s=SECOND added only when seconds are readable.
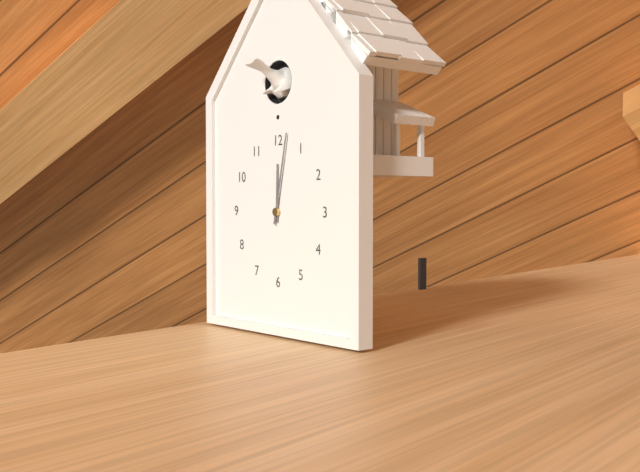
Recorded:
h=12 m=2
